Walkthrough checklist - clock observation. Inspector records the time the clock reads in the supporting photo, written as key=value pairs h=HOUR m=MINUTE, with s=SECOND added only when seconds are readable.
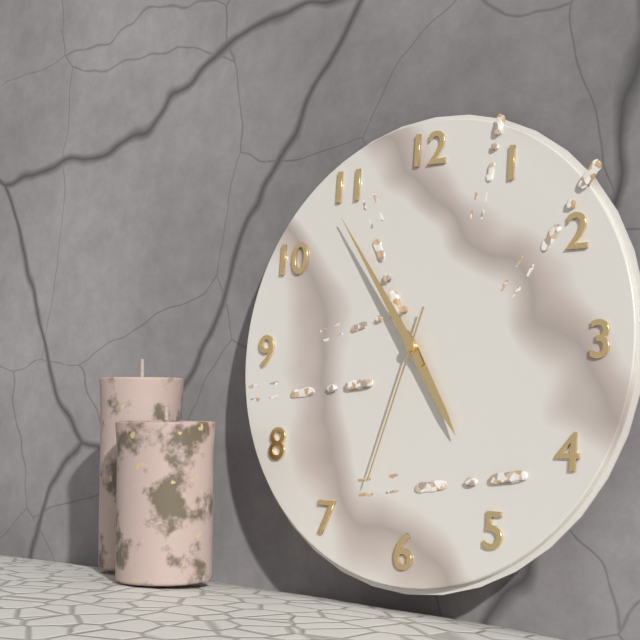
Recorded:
h=4 m=54 s=33
